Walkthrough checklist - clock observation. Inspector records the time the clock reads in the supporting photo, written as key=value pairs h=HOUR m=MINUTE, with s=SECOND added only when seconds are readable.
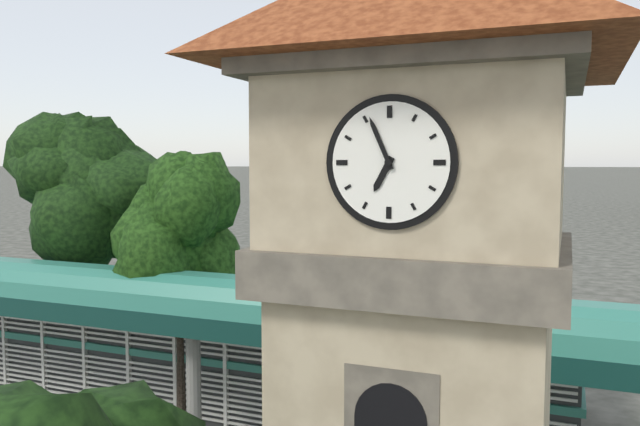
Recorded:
h=6 m=56
